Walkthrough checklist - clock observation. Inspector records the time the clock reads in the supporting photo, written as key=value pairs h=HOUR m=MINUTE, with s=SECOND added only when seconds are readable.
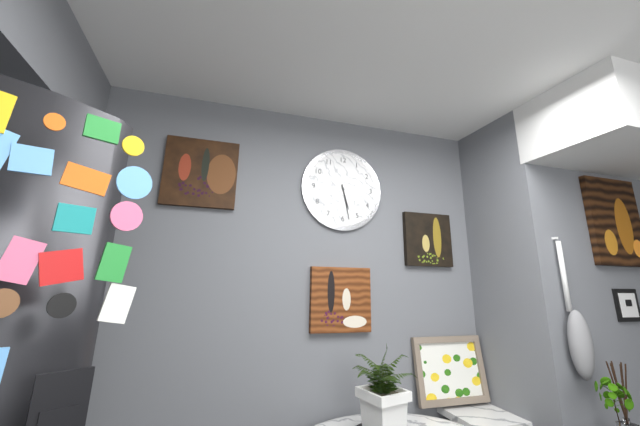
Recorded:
h=5 m=28
